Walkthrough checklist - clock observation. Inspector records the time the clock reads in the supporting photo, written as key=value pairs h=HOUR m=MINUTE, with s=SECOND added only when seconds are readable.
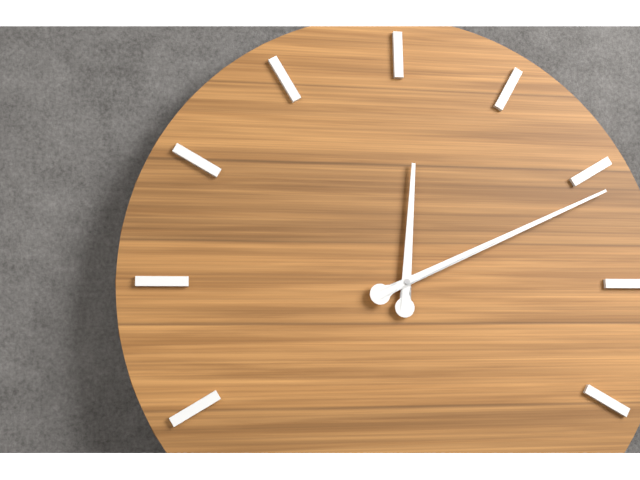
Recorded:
h=12 m=11
